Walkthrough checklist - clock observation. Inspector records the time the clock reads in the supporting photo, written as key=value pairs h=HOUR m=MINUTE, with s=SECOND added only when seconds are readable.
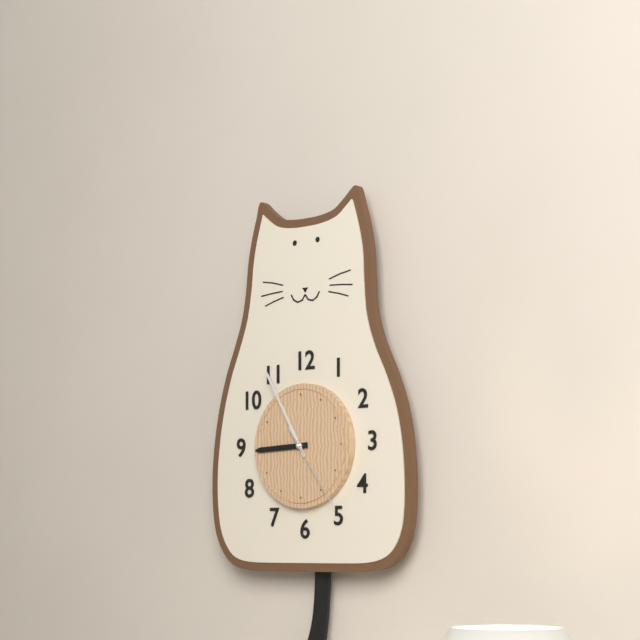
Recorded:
h=8 m=55 s=24
